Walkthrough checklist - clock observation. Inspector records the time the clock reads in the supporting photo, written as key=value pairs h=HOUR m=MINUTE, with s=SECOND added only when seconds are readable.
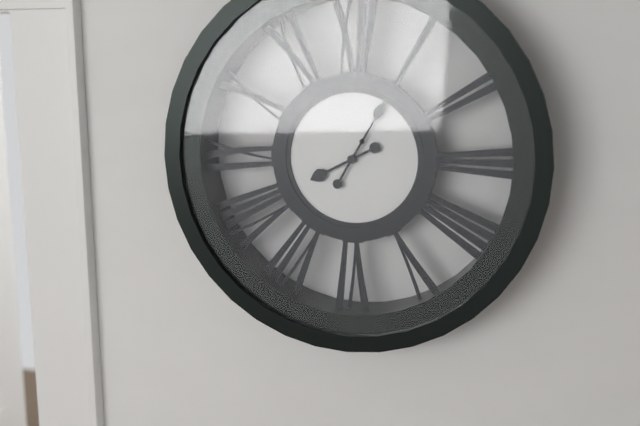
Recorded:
h=8 m=5
